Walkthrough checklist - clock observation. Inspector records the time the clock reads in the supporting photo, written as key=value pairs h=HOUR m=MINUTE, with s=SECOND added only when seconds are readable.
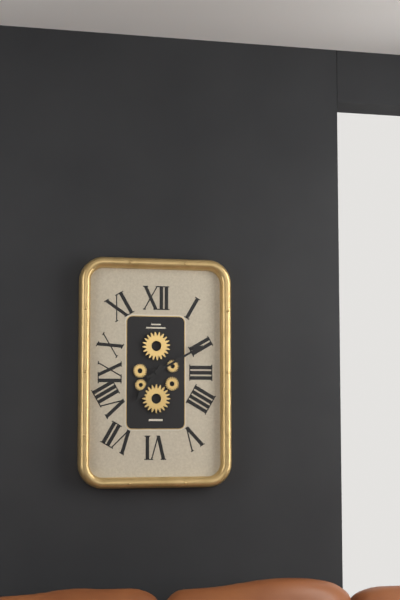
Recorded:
h=7 m=10
